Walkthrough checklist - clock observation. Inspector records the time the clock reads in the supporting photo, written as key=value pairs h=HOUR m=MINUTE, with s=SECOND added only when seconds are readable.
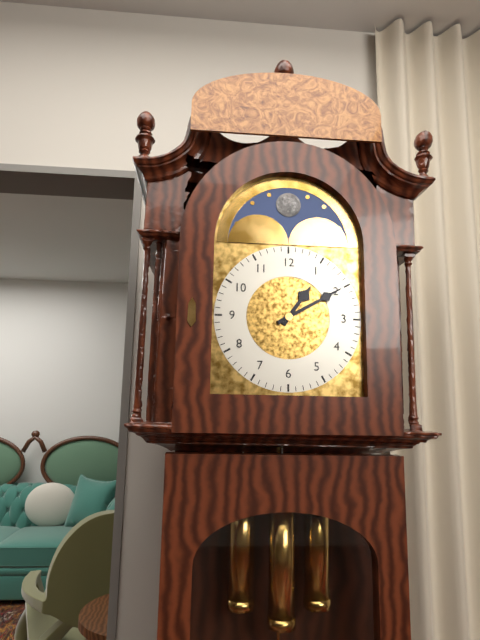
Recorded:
h=1 m=10
